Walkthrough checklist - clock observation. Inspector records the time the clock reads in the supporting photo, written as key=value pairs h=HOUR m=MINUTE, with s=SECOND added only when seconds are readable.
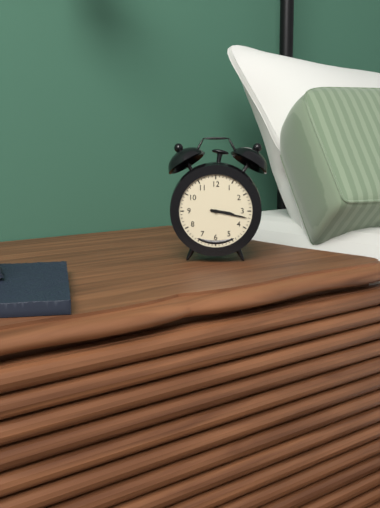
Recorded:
h=3 m=17
